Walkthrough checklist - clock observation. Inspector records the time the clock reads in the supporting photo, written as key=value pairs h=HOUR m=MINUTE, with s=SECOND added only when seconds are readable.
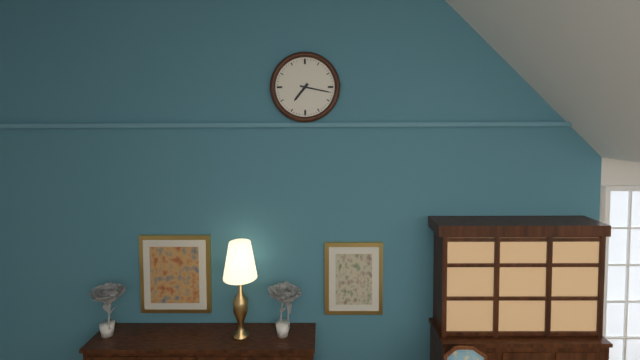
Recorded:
h=7 m=17
